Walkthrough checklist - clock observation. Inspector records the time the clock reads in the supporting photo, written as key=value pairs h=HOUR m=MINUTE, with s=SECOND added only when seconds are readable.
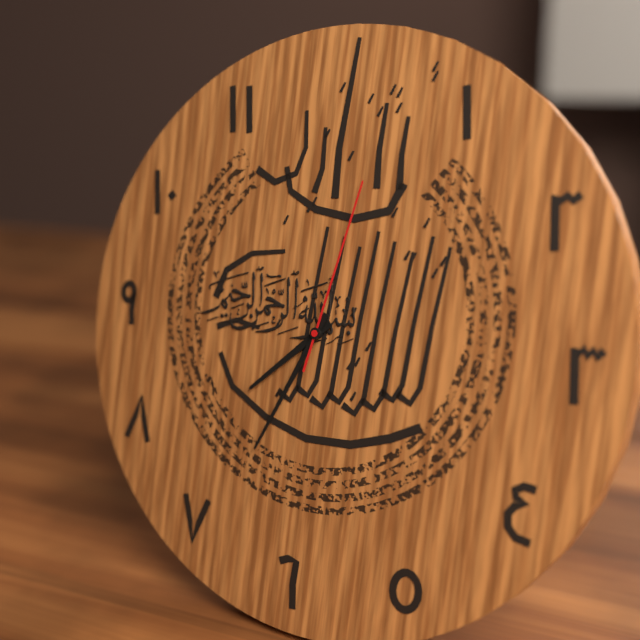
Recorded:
h=7 m=34 s=2
